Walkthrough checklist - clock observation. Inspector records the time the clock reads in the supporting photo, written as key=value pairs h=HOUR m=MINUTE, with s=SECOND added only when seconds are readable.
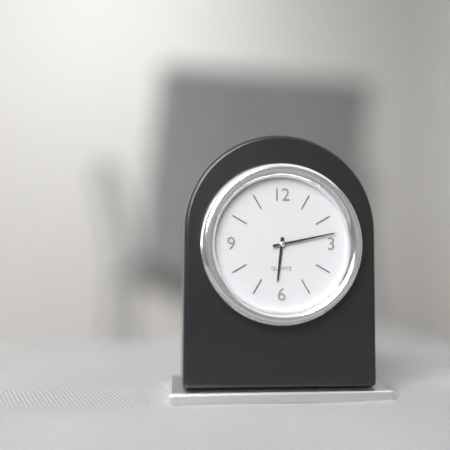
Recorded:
h=6 m=13
